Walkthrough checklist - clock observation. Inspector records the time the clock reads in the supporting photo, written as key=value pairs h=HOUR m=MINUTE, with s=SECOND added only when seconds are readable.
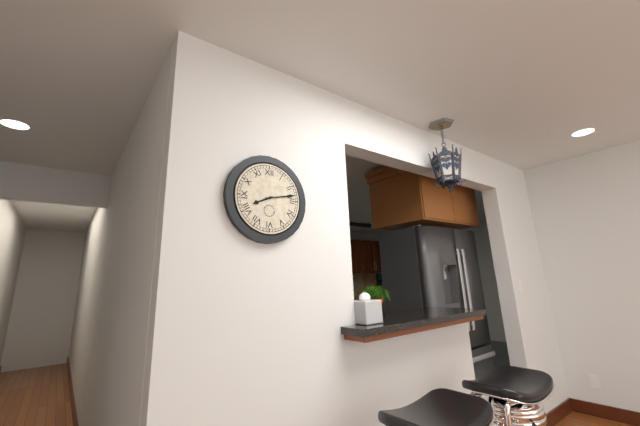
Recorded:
h=8 m=13
